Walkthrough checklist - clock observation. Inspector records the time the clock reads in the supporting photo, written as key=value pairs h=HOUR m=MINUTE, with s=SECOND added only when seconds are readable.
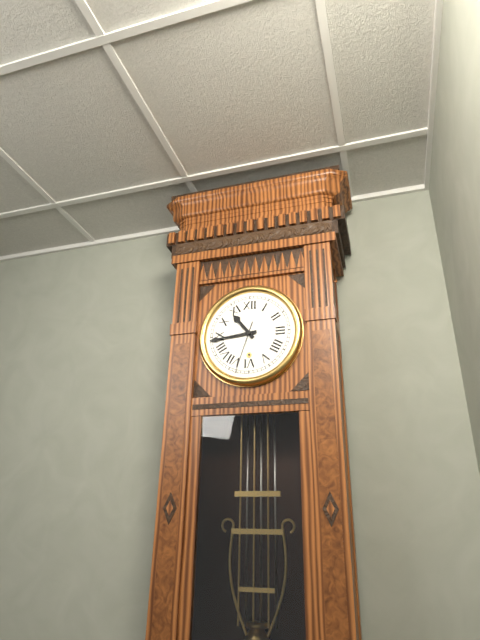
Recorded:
h=10 m=44
